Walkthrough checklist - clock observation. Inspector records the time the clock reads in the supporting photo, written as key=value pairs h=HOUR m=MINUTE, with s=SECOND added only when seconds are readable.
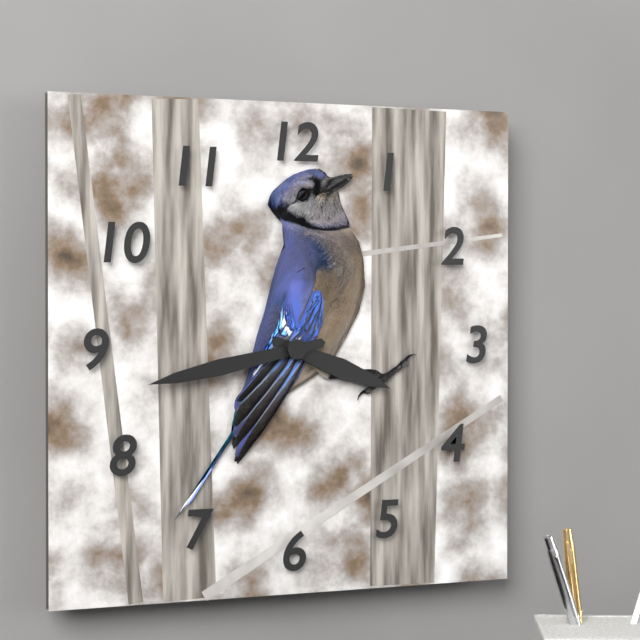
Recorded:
h=3 m=43
